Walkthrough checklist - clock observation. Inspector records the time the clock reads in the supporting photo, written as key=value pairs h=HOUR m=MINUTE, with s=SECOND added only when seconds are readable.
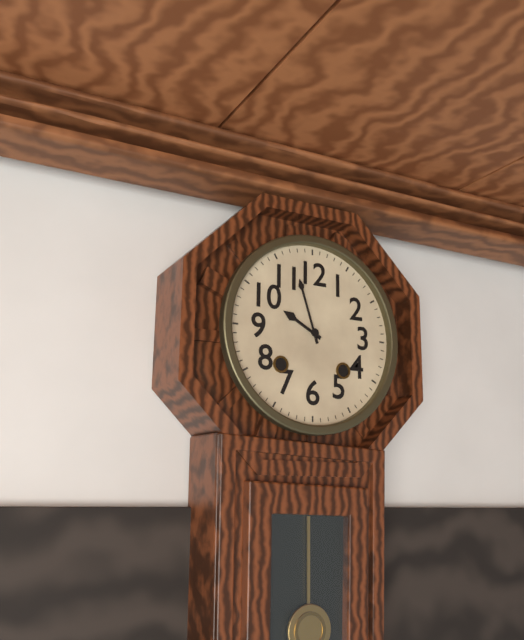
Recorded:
h=9 m=57
